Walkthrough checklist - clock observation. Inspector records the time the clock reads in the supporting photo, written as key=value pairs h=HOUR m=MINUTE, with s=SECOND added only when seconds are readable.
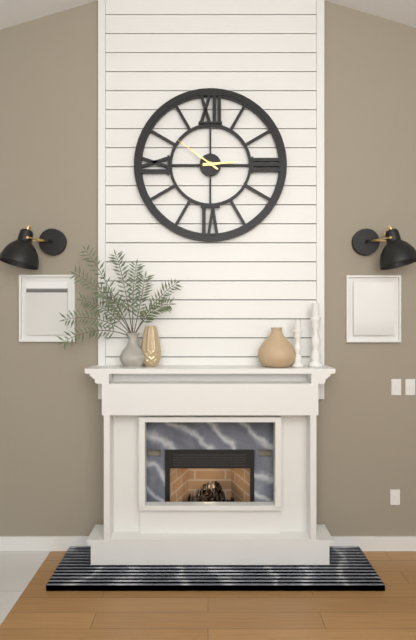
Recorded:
h=2 m=51
